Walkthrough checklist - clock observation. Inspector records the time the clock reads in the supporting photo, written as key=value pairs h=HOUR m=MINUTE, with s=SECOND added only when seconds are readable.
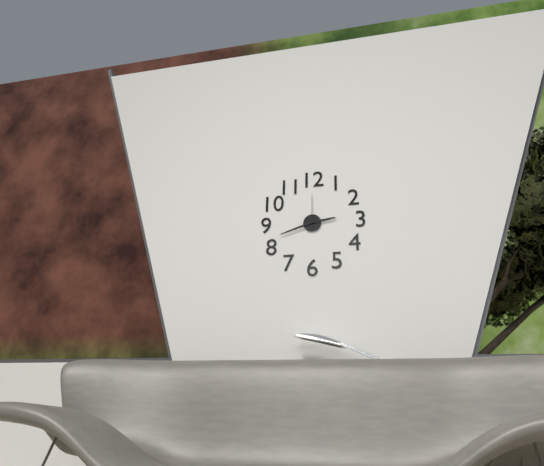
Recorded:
h=2 m=42
